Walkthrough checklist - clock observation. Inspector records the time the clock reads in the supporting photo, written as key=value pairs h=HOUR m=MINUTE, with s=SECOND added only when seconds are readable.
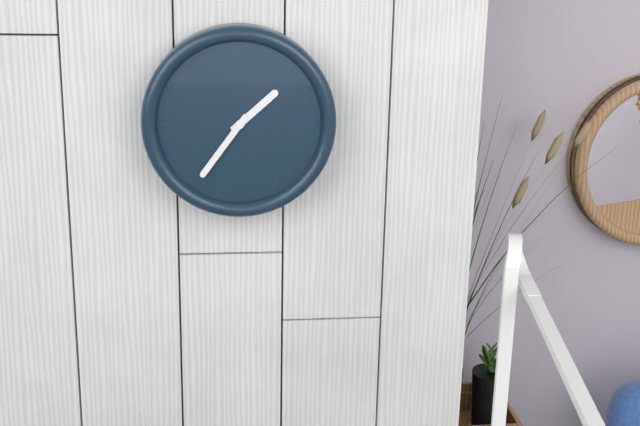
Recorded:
h=1 m=36
